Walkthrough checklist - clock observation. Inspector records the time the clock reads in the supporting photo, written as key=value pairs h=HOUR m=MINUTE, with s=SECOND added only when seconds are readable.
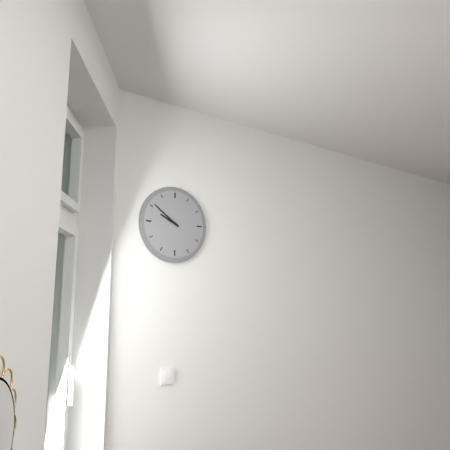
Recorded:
h=9 m=51
